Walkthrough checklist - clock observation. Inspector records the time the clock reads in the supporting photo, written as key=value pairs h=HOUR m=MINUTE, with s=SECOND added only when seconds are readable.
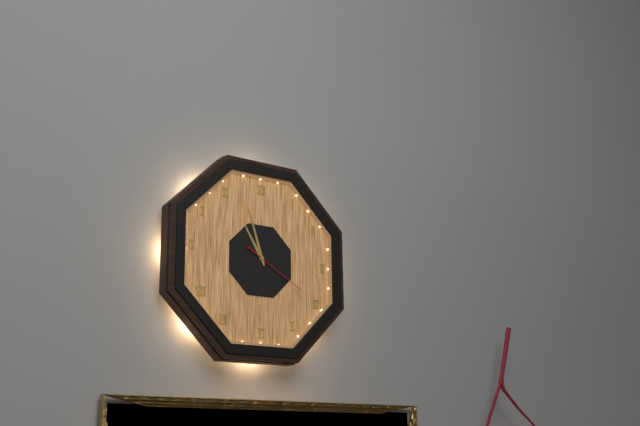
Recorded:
h=10 m=57 s=20
